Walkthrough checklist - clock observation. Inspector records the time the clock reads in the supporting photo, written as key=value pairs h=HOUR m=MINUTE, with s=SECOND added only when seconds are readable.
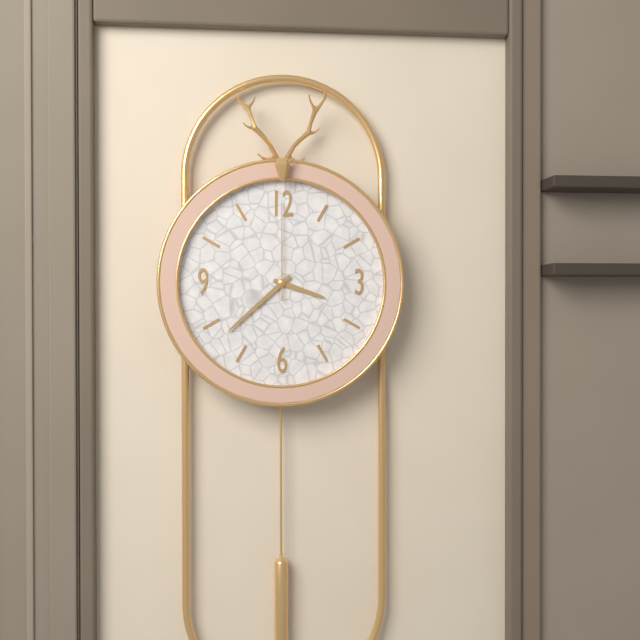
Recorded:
h=3 m=38 s=0
